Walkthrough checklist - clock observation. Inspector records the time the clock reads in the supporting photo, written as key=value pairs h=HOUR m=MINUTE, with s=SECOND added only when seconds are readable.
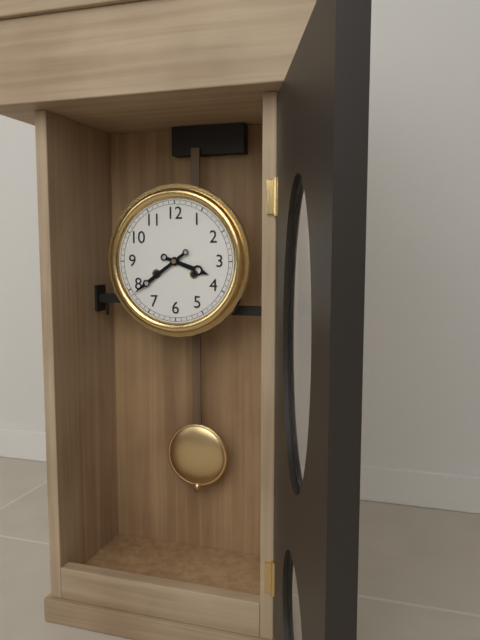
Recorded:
h=3 m=39
